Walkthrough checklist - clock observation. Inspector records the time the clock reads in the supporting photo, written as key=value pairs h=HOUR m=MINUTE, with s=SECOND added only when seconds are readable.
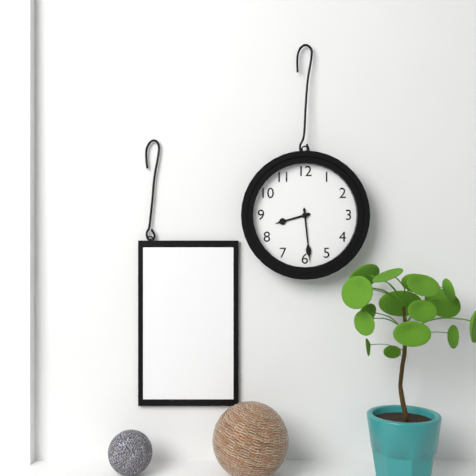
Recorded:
h=8 m=29
